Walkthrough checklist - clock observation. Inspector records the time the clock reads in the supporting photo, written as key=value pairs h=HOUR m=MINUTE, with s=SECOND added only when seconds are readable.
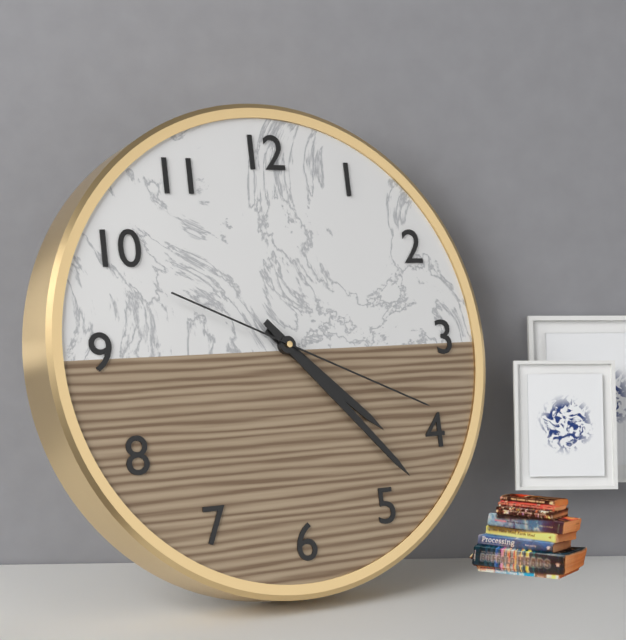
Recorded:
h=4 m=23 s=19
